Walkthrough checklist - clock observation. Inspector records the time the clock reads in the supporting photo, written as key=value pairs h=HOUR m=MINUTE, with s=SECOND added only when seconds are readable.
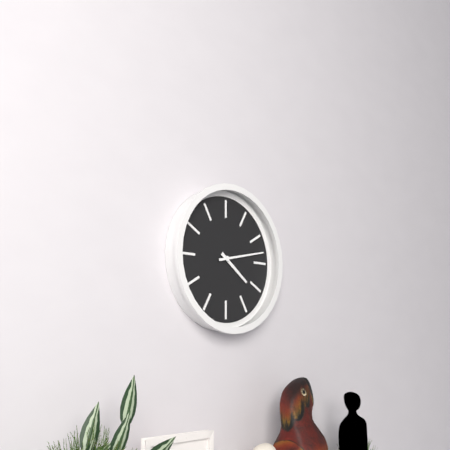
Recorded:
h=4 m=13
